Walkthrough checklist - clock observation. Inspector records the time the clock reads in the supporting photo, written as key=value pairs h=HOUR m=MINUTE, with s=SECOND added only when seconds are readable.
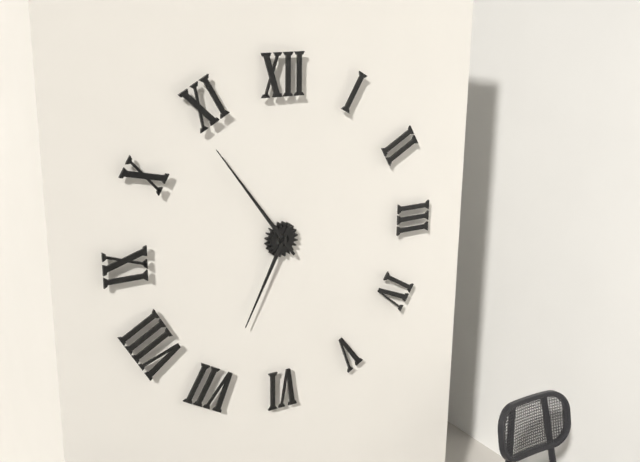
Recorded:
h=6 m=54
